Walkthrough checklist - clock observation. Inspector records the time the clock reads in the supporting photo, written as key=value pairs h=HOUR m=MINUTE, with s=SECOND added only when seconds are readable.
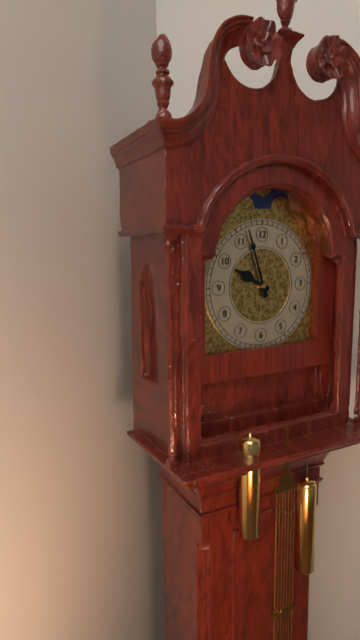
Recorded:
h=9 m=57
